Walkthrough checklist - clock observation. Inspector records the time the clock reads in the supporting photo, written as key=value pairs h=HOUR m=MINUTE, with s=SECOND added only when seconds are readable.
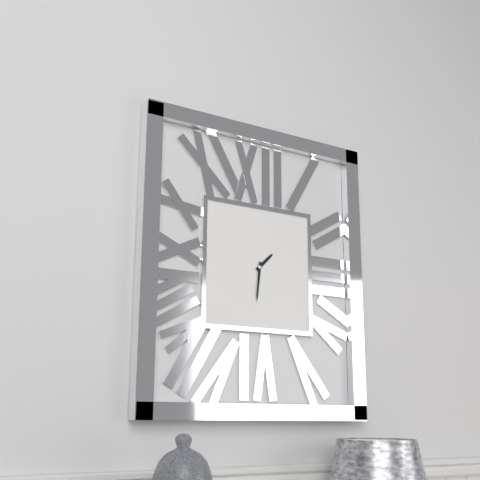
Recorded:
h=1 m=31
